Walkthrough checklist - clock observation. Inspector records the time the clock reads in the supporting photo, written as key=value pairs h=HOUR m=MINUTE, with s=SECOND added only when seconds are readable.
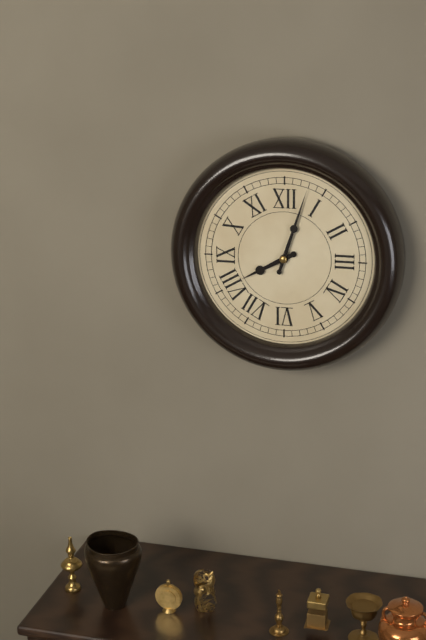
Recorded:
h=8 m=3
